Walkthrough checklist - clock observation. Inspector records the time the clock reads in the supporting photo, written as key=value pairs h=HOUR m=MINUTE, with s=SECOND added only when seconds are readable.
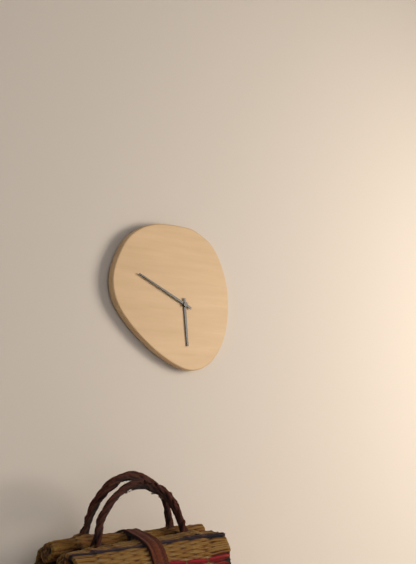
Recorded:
h=5 m=49
